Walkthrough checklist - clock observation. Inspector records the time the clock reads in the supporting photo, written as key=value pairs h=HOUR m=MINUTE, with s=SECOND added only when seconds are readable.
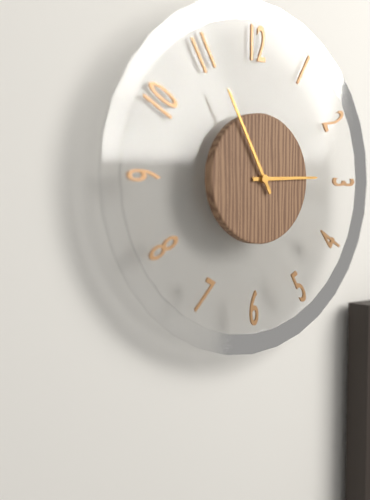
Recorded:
h=2 m=55
